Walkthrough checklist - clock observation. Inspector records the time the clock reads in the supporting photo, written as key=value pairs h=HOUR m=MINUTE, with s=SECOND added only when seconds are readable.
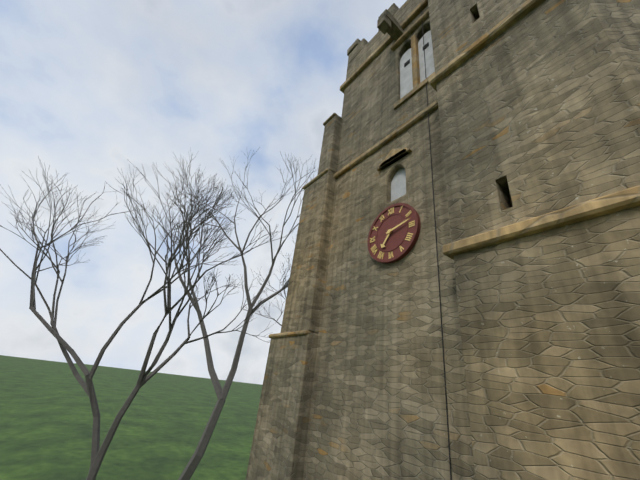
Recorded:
h=7 m=13
